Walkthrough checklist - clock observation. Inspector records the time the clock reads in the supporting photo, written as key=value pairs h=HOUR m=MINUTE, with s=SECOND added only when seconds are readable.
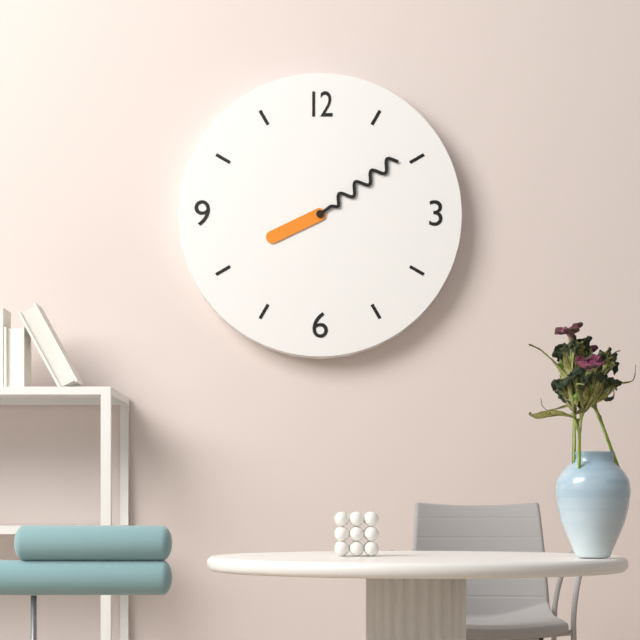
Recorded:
h=8 m=9
